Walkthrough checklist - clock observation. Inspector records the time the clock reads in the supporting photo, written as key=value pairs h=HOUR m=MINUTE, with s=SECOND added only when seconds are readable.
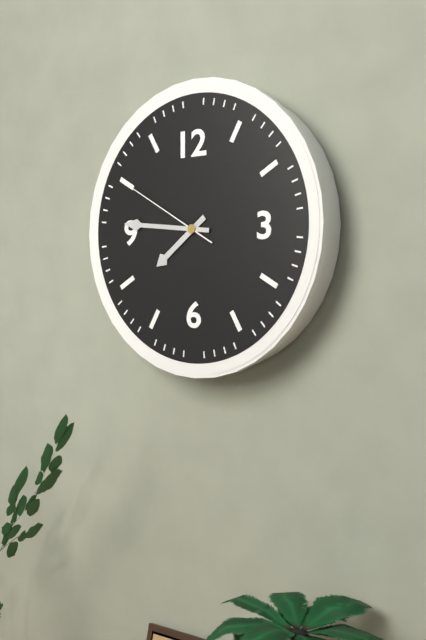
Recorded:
h=7 m=46 s=50
